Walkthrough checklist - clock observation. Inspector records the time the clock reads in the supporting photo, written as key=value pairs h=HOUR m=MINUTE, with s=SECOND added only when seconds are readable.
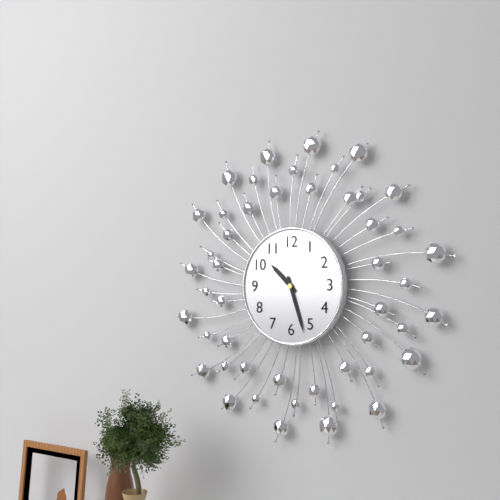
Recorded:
h=10 m=27
